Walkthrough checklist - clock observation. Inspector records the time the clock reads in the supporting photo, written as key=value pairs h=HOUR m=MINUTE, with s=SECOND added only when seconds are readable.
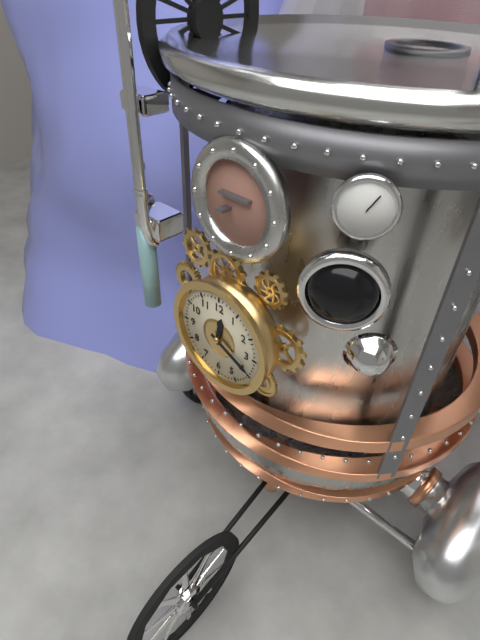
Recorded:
h=12 m=19
